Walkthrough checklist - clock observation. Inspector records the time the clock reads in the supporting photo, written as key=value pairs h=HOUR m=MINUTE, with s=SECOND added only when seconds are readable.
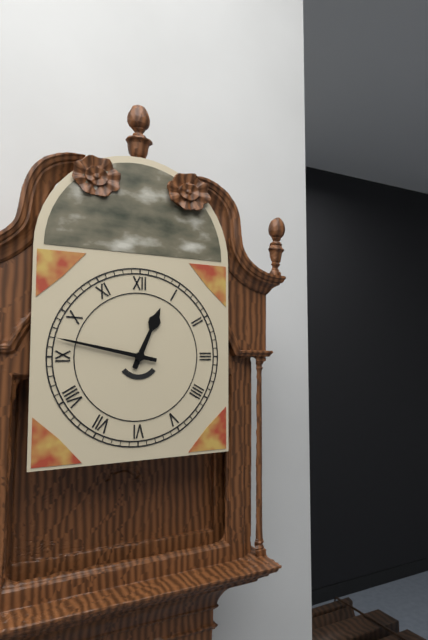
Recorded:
h=12 m=47
